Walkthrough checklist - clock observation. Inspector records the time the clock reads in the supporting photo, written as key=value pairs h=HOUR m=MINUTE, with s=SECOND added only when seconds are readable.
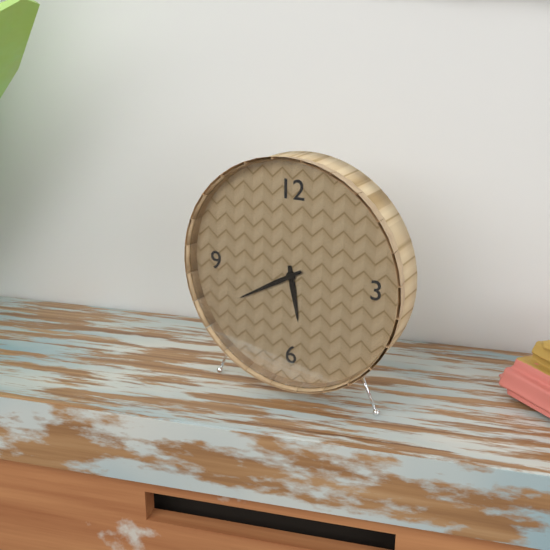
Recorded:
h=5 m=40
